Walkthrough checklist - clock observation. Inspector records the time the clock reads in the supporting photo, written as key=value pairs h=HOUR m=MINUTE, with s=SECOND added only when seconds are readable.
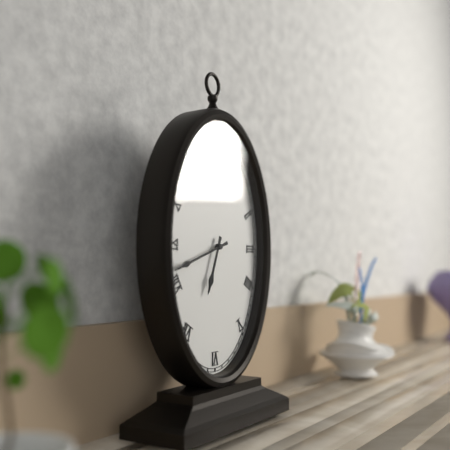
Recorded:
h=6 m=42
